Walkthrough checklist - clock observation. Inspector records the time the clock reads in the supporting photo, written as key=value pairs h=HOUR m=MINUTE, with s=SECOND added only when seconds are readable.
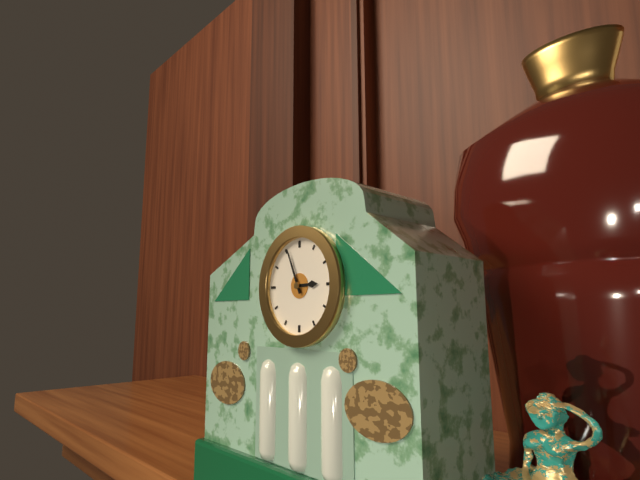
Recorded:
h=2 m=56
